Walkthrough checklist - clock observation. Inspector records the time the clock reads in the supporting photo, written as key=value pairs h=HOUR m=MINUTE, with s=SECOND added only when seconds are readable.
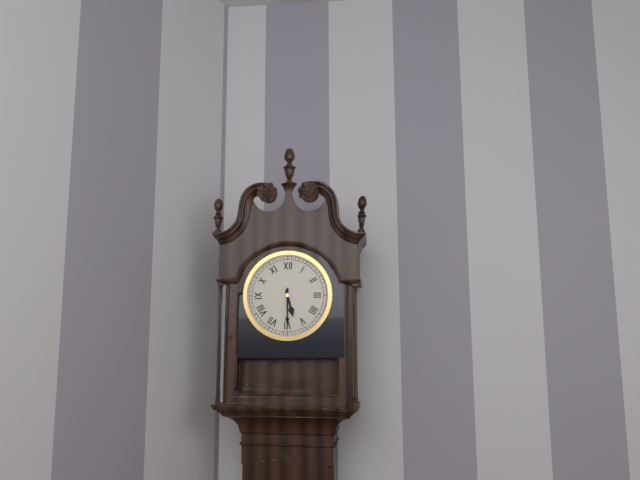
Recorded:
h=5 m=30
